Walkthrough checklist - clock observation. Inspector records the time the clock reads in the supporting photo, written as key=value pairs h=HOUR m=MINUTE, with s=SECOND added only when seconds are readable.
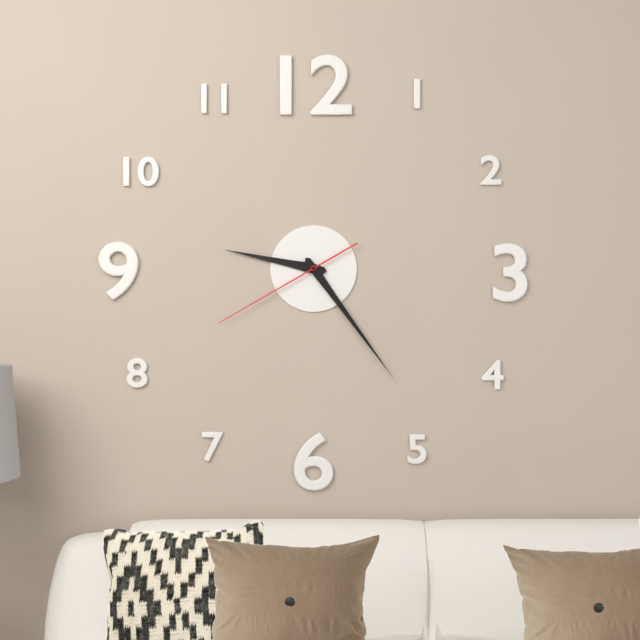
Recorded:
h=9 m=24 s=40
